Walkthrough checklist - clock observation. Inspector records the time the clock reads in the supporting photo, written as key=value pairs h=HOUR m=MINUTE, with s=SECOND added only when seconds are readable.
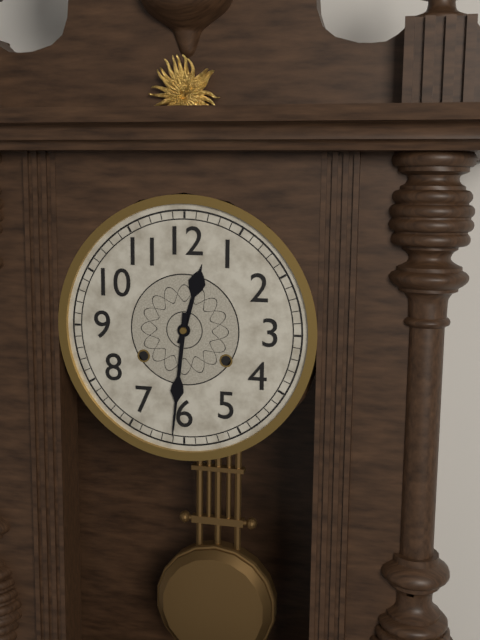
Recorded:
h=12 m=31
